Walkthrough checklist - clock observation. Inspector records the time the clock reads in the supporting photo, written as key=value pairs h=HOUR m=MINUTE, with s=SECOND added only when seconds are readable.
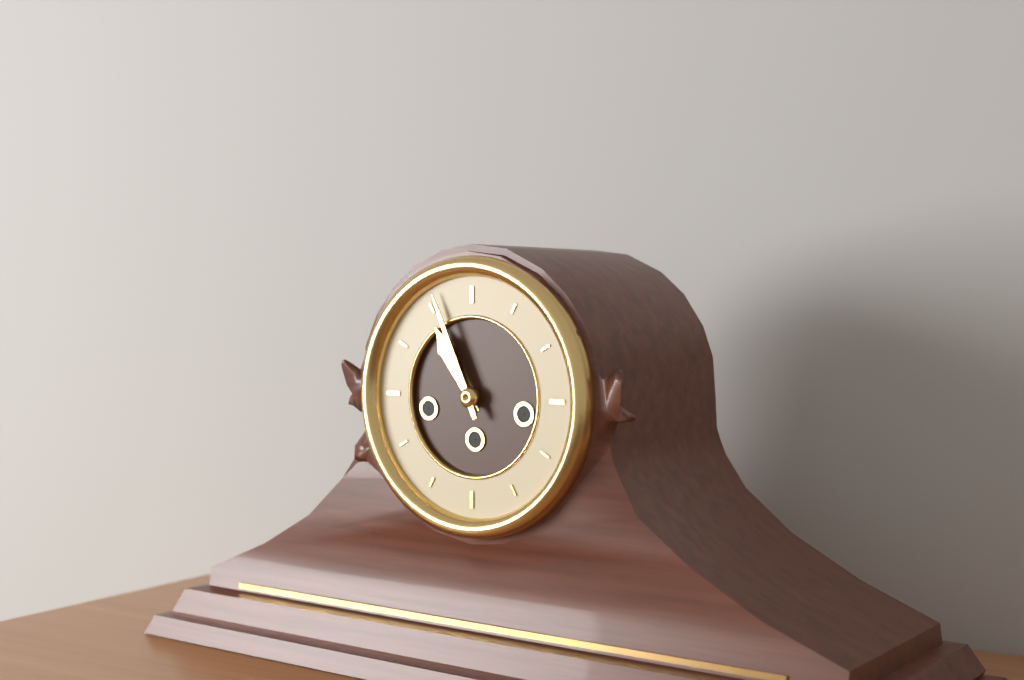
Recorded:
h=10 m=56
